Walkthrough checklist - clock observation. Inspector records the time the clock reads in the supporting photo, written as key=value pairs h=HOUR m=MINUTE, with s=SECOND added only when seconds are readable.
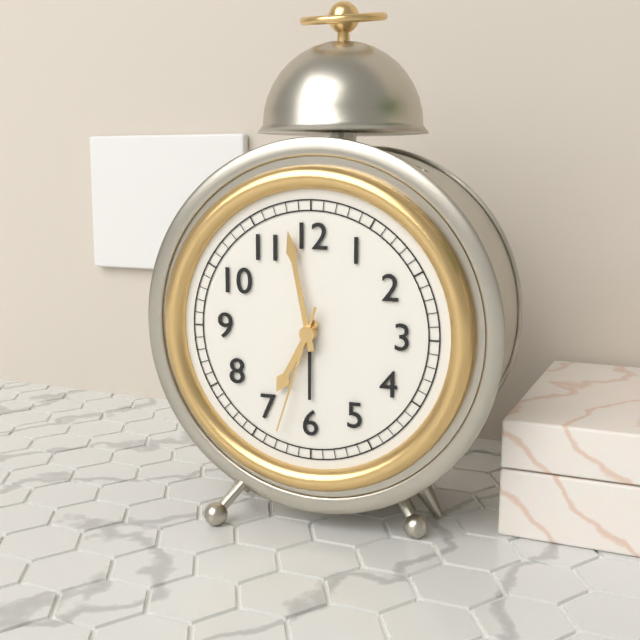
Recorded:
h=6 m=58 s=33
